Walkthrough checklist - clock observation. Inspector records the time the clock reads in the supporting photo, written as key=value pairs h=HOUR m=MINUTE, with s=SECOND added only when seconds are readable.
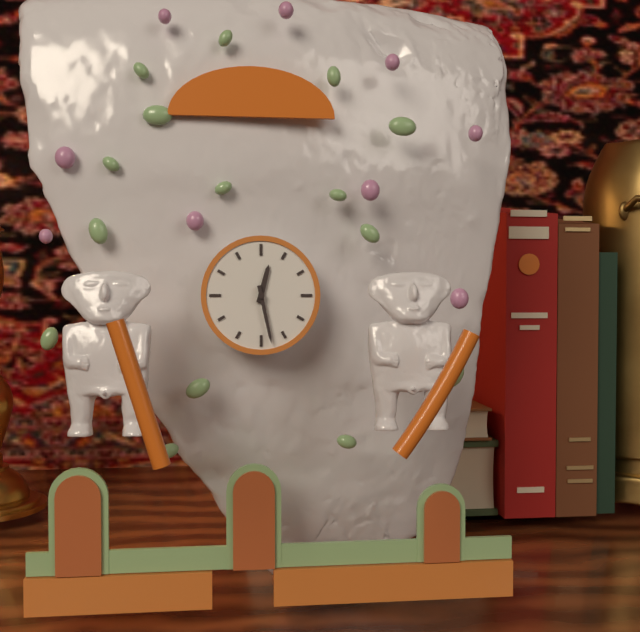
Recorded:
h=12 m=28
